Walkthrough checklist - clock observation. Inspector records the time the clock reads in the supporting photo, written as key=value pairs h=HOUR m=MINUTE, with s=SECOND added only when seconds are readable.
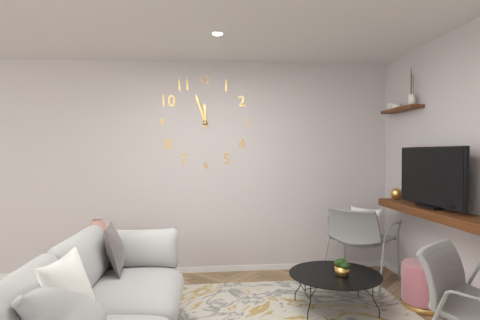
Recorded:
h=11 m=57
